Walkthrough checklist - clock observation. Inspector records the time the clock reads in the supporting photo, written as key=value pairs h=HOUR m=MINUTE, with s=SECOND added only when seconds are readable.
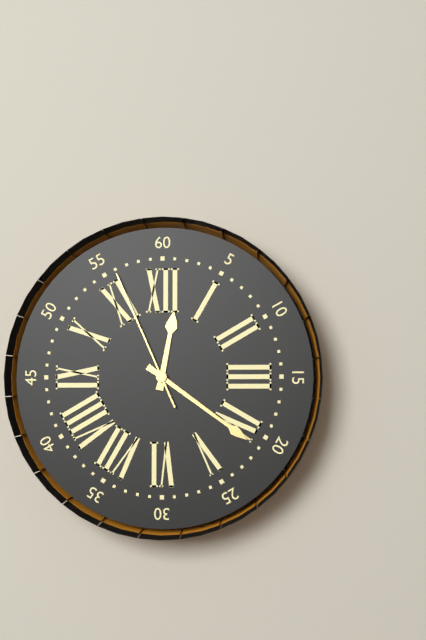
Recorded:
h=12 m=21 s=56
